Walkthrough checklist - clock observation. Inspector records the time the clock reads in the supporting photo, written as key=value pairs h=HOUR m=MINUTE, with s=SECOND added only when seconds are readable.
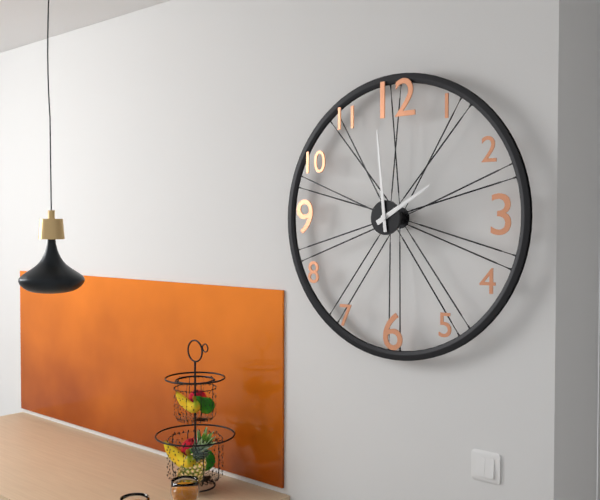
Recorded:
h=1 m=59
